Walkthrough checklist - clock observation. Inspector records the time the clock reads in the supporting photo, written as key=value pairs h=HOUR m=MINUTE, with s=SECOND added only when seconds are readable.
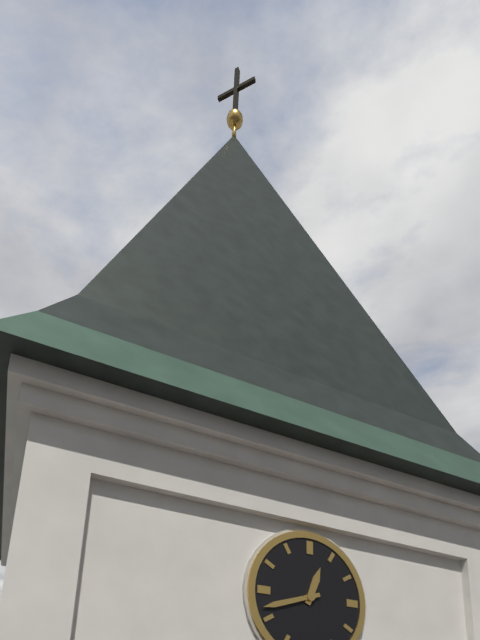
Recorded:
h=12 m=42
